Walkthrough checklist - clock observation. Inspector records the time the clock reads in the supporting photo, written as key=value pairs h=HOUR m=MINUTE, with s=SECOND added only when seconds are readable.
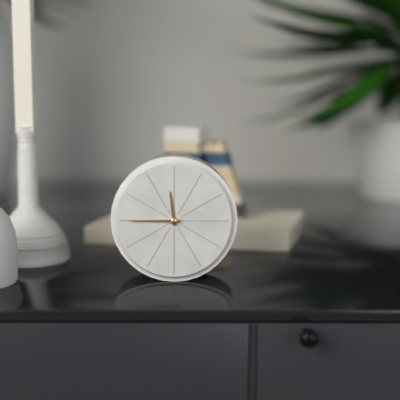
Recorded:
h=11 m=45
